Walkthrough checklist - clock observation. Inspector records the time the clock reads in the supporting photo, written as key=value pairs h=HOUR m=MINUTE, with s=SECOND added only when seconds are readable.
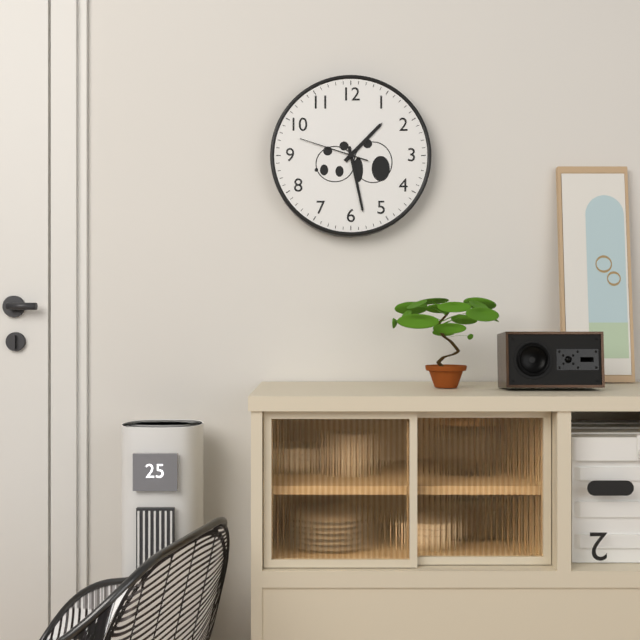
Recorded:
h=1 m=28 s=48
